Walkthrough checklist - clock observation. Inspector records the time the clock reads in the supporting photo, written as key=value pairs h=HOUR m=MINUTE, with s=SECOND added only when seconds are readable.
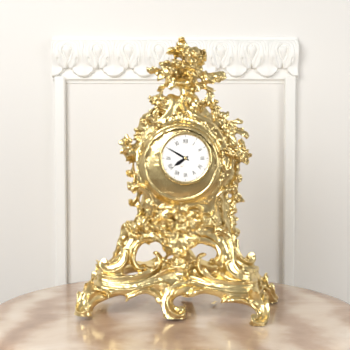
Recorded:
h=7 m=50
